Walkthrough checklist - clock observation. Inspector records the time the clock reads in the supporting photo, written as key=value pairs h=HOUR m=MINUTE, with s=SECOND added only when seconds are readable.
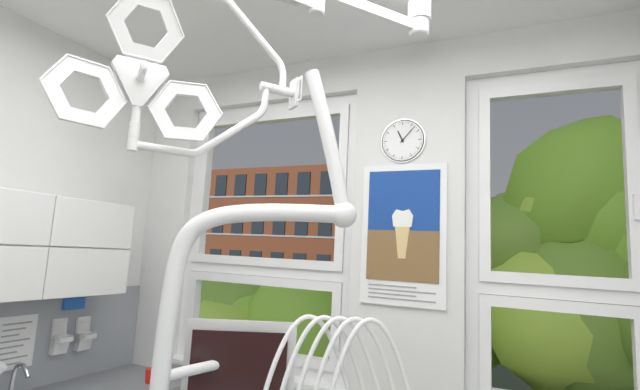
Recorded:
h=11 m=7
